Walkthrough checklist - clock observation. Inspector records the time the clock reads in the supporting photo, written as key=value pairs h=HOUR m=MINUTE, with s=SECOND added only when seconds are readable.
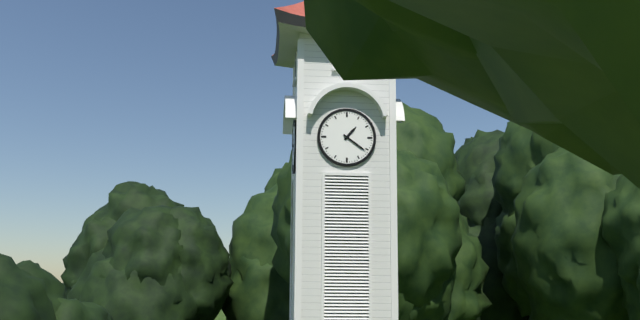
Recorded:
h=1 m=21
